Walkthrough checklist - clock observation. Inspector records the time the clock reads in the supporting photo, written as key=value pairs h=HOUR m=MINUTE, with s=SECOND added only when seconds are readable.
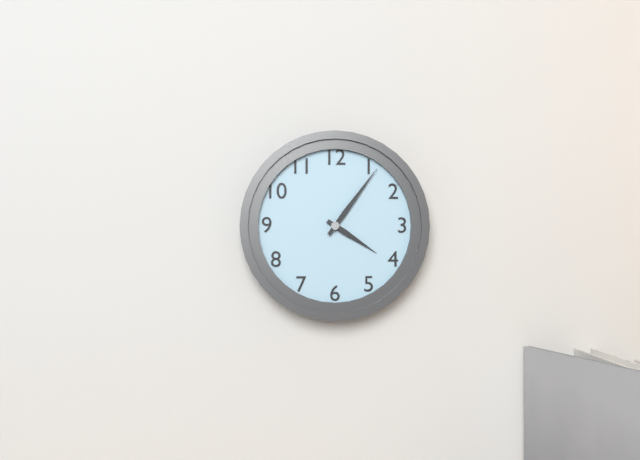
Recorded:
h=4 m=6
